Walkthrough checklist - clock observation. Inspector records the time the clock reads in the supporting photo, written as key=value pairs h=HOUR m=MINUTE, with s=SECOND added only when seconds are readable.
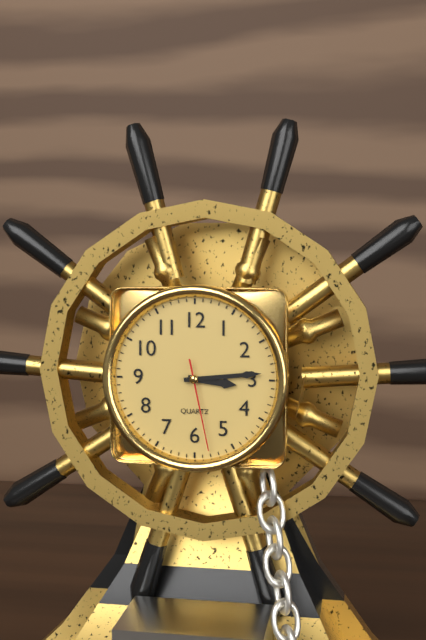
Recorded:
h=3 m=14 s=28
